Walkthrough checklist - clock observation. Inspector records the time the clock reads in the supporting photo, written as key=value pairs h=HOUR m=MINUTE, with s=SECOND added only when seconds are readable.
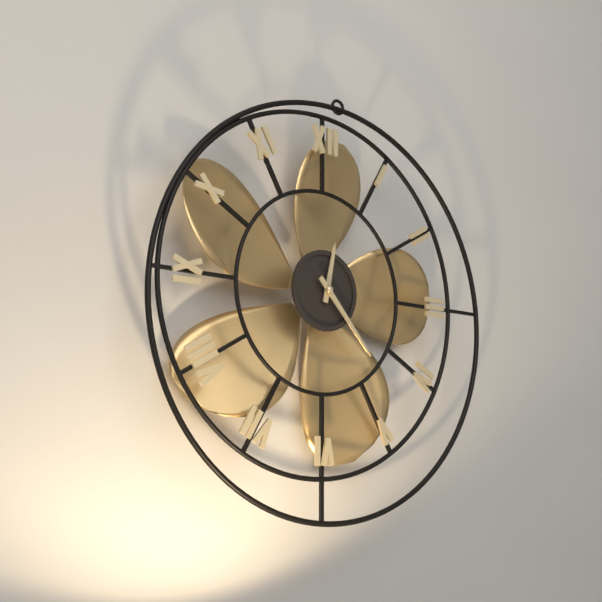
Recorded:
h=12 m=23
